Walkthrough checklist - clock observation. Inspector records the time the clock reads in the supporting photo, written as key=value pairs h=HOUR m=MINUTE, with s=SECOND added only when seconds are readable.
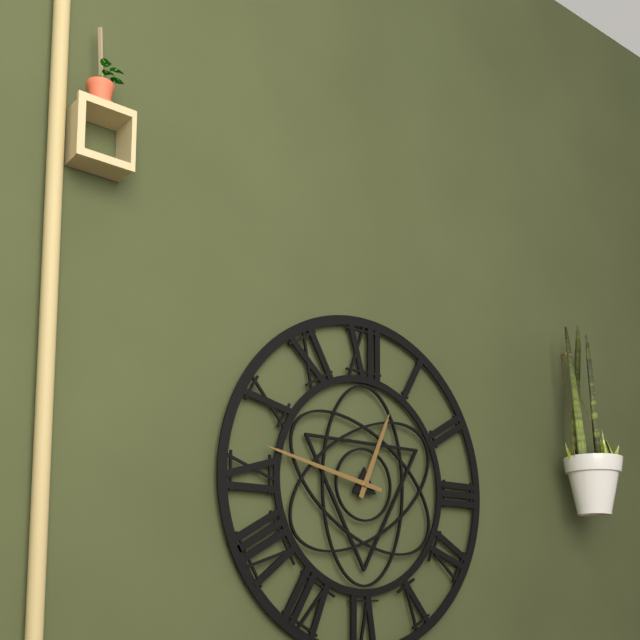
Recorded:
h=12 m=47
